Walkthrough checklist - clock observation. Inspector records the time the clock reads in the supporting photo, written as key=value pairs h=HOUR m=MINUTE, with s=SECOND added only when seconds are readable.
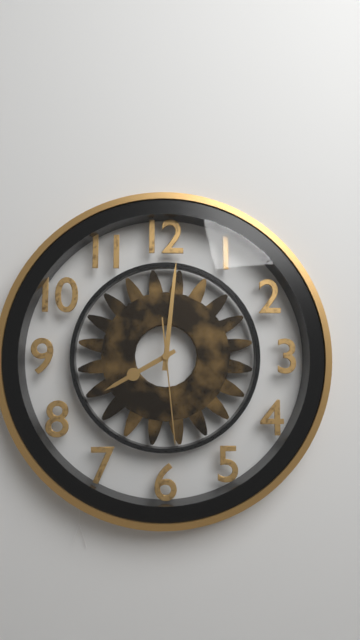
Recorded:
h=8 m=1 s=29
